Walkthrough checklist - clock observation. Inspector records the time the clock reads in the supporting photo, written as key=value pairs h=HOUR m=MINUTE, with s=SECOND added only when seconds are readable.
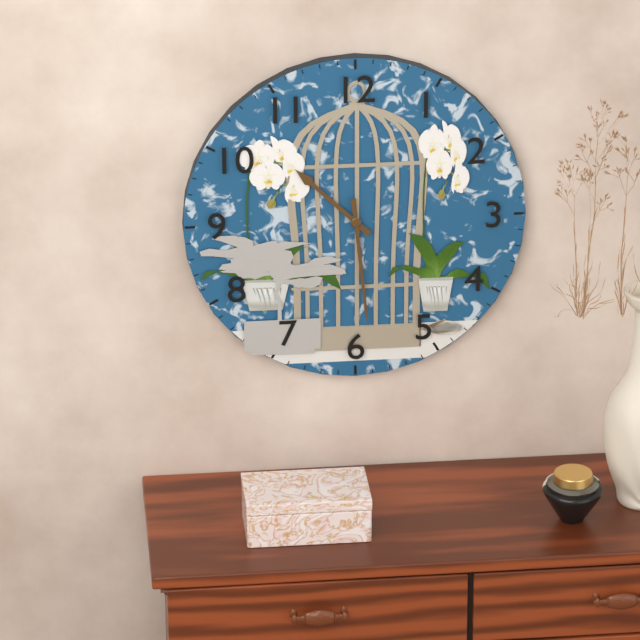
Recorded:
h=10 m=29
